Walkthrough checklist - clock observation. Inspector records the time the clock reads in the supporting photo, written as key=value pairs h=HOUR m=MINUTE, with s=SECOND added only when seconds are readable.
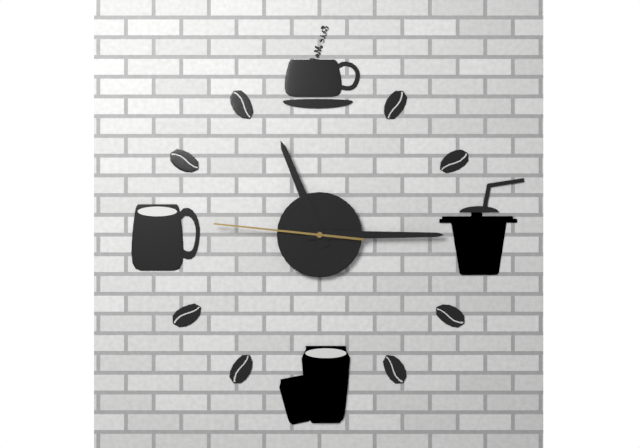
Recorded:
h=11 m=15 s=46
